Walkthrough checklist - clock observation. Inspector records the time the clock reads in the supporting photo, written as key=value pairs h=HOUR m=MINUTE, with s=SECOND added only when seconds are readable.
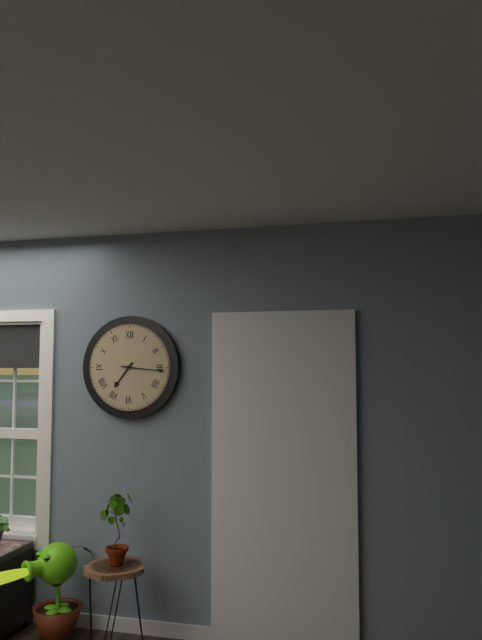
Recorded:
h=7 m=16
